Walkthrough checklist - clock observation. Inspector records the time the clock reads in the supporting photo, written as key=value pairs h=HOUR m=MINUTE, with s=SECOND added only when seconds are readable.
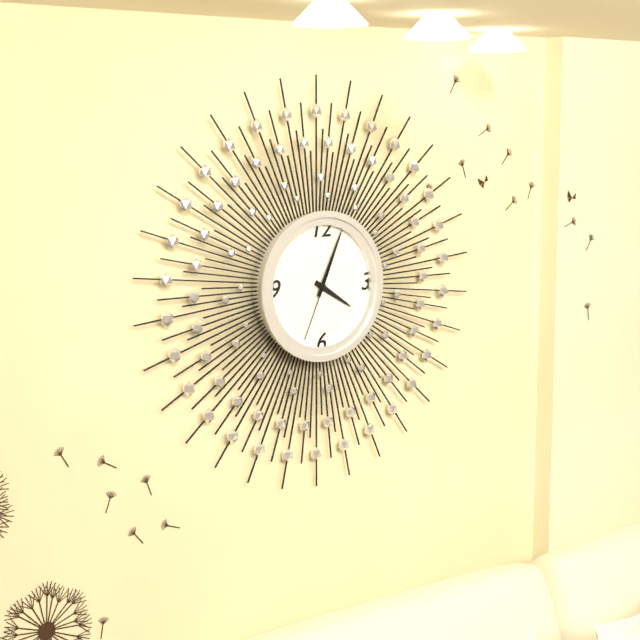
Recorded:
h=4 m=4 s=34
